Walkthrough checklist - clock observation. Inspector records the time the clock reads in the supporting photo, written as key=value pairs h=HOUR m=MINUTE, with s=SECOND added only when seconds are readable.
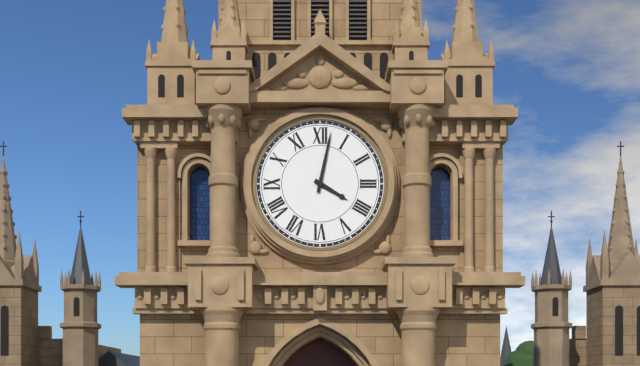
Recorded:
h=4 m=2
